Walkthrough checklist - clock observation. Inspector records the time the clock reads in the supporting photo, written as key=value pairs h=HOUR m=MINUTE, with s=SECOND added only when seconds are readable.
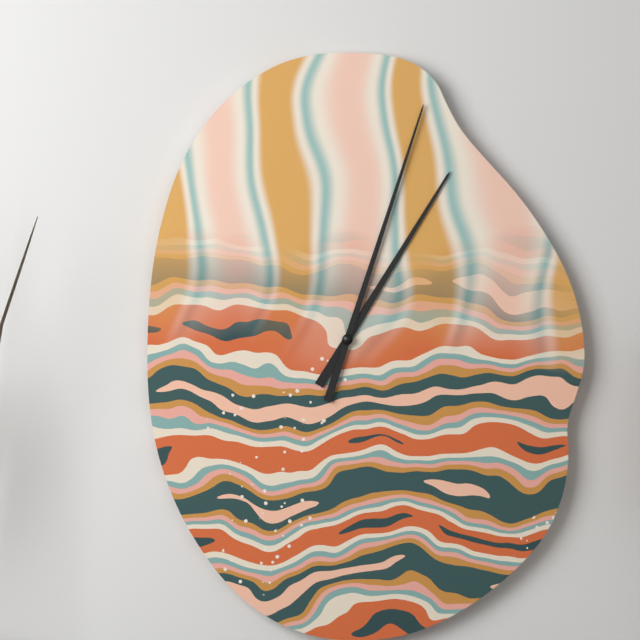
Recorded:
h=1 m=3
